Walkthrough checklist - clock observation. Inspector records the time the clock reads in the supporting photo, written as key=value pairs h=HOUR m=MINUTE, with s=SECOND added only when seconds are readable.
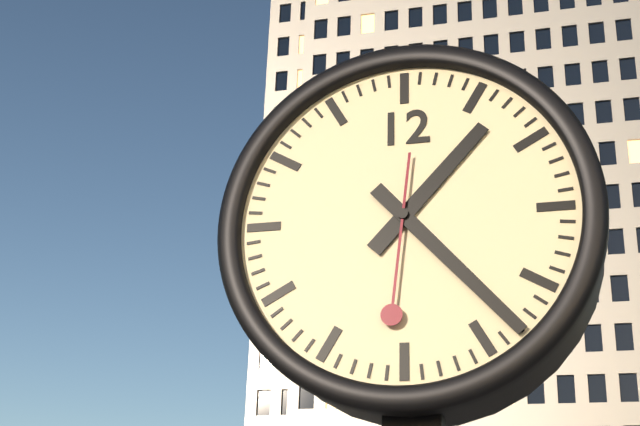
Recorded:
h=1 m=23 s=31
